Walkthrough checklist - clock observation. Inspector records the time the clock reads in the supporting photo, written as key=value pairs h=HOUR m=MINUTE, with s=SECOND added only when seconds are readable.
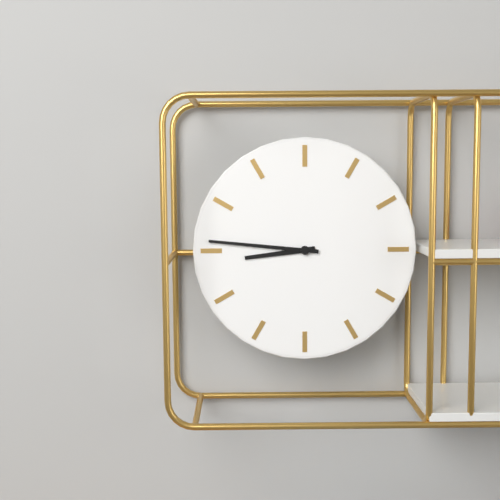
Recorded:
h=8 m=46
